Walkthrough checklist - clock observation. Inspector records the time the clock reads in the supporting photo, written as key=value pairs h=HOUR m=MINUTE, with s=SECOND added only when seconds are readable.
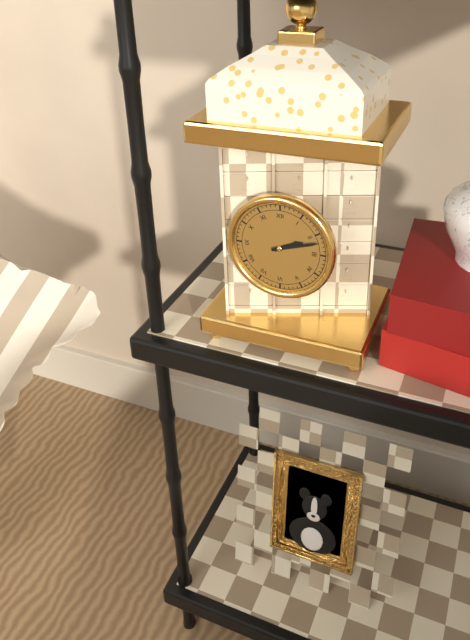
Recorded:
h=2 m=12
